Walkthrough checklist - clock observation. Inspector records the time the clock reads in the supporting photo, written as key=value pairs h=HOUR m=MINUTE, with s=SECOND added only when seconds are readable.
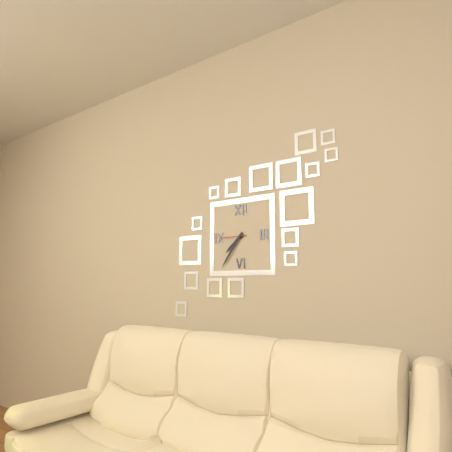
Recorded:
h=7 m=36
